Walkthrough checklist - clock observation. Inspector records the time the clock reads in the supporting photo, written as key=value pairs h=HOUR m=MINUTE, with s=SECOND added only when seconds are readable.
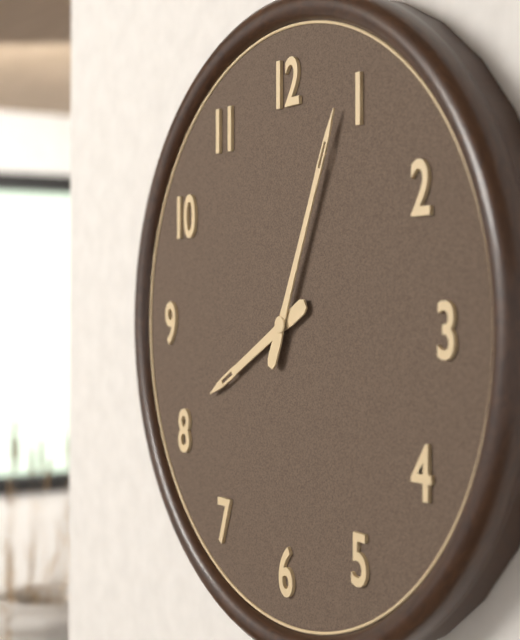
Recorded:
h=8 m=4
